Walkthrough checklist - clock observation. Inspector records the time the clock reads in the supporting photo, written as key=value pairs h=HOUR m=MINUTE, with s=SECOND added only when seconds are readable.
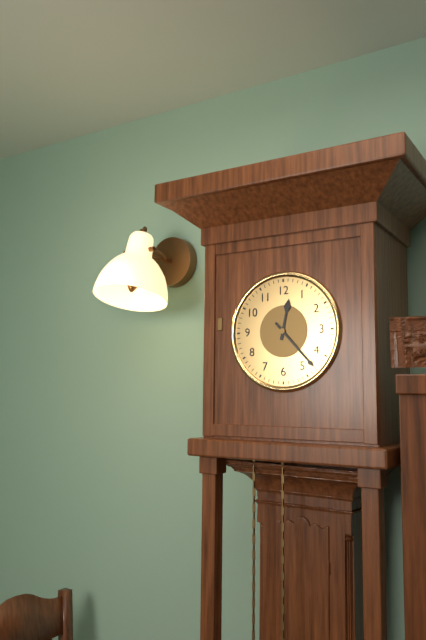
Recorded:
h=12 m=23
